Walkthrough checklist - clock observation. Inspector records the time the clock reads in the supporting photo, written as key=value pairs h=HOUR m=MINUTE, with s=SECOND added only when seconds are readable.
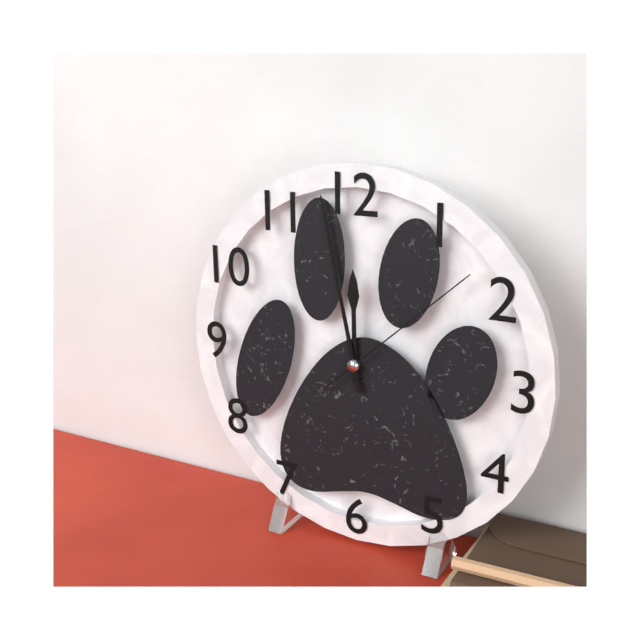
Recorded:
h=11 m=58 s=8
